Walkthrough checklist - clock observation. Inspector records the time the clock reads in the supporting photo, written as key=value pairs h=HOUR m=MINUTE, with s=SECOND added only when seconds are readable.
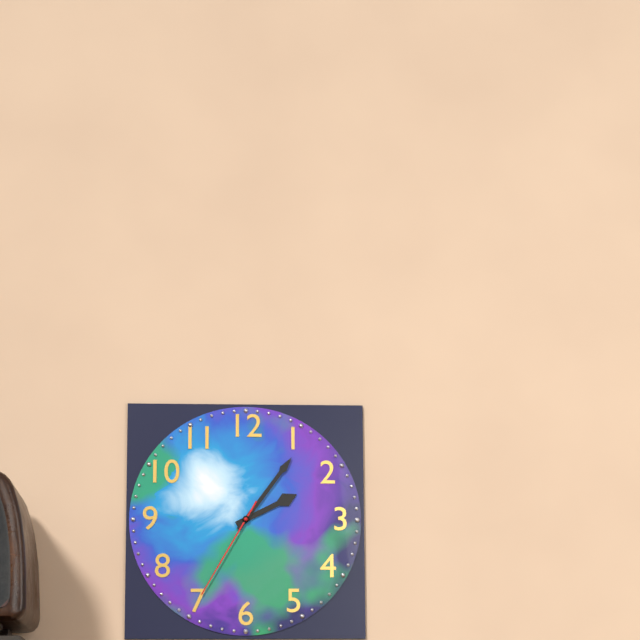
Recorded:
h=2 m=6 s=35
